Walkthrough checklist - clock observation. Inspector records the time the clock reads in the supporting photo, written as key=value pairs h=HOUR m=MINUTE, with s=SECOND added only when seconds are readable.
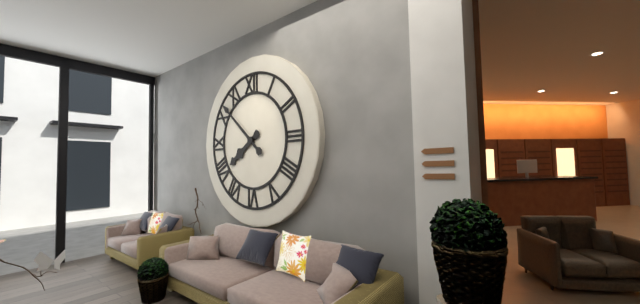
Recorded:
h=7 m=52
